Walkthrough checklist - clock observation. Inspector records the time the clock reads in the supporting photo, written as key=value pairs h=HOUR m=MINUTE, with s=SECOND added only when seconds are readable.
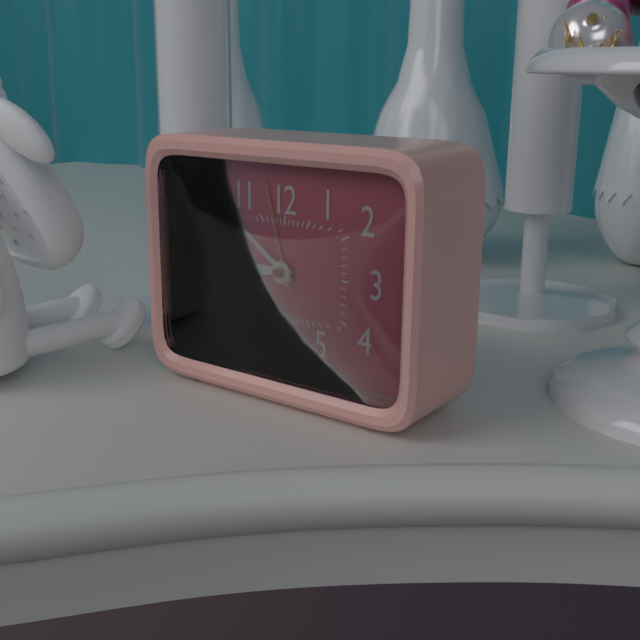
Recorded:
h=8 m=51
